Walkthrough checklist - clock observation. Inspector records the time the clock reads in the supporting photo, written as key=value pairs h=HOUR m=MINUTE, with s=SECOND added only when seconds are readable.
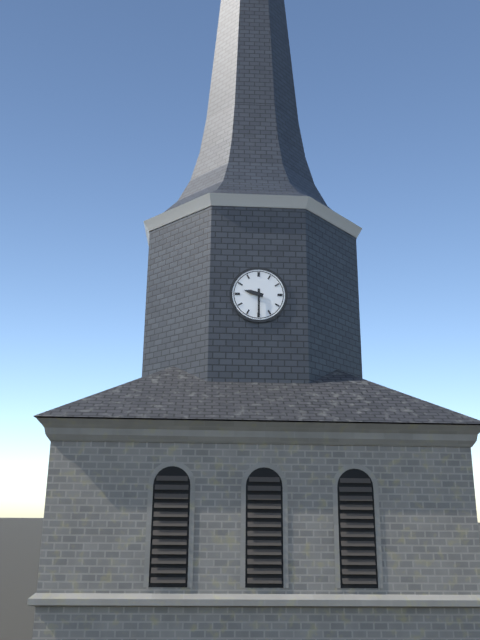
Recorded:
h=9 m=30
